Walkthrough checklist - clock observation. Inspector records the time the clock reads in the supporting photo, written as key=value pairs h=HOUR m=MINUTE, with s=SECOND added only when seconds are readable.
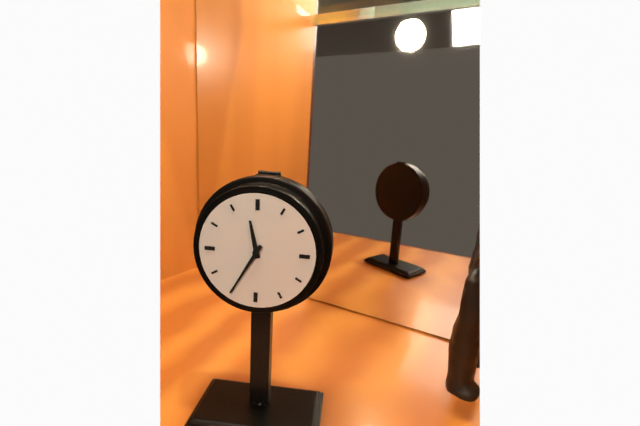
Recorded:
h=11 m=35
